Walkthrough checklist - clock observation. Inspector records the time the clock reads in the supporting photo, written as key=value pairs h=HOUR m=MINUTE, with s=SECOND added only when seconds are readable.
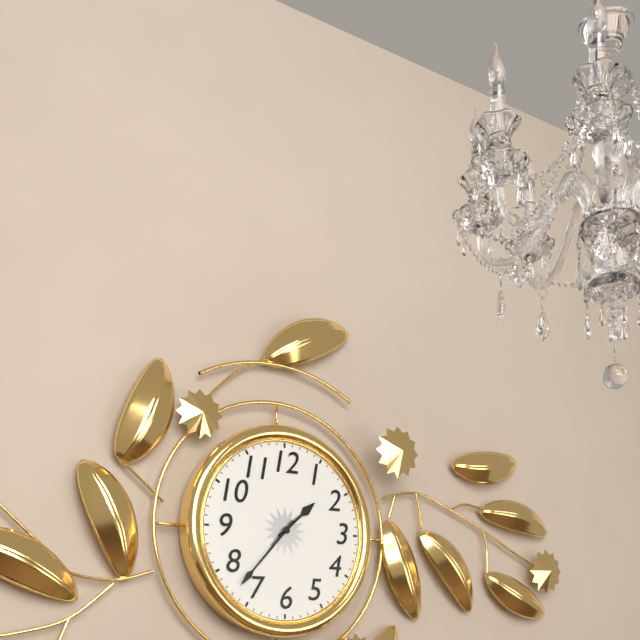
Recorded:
h=1 m=37
